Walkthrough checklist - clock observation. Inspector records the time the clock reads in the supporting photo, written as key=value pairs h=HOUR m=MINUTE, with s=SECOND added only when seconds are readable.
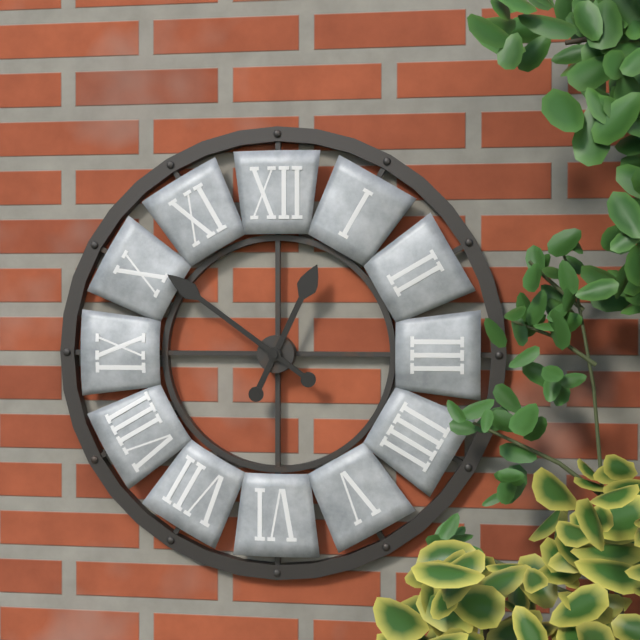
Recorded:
h=12 m=51
